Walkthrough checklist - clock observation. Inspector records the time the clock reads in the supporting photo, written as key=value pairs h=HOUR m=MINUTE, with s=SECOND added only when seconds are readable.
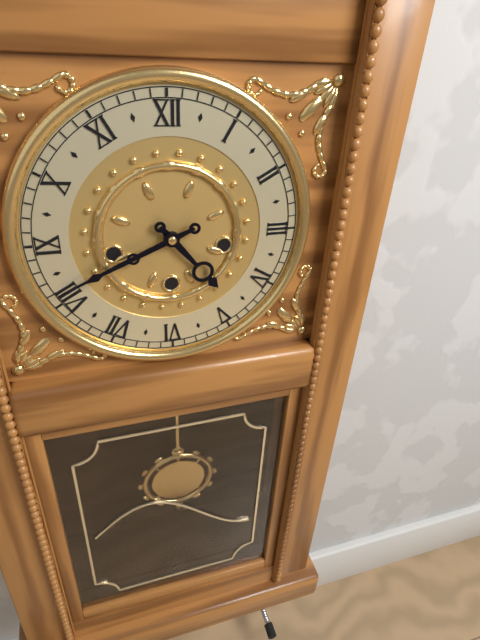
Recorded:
h=4 m=41
